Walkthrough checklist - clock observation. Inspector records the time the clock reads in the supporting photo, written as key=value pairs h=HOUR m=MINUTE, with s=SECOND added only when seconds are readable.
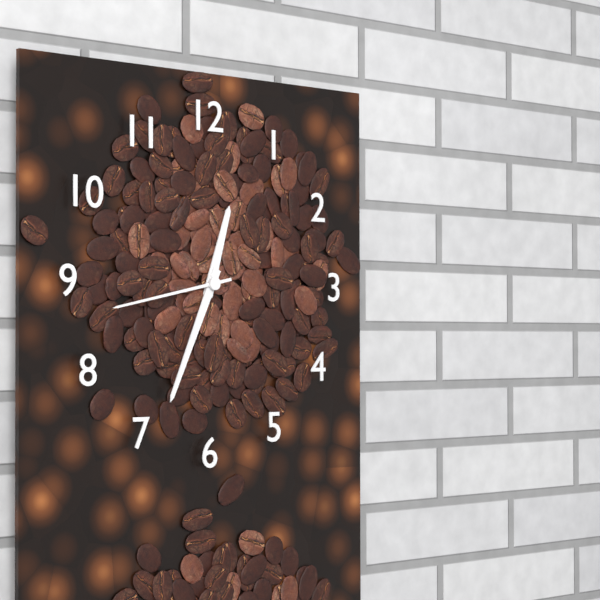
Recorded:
h=12 m=34 s=43
